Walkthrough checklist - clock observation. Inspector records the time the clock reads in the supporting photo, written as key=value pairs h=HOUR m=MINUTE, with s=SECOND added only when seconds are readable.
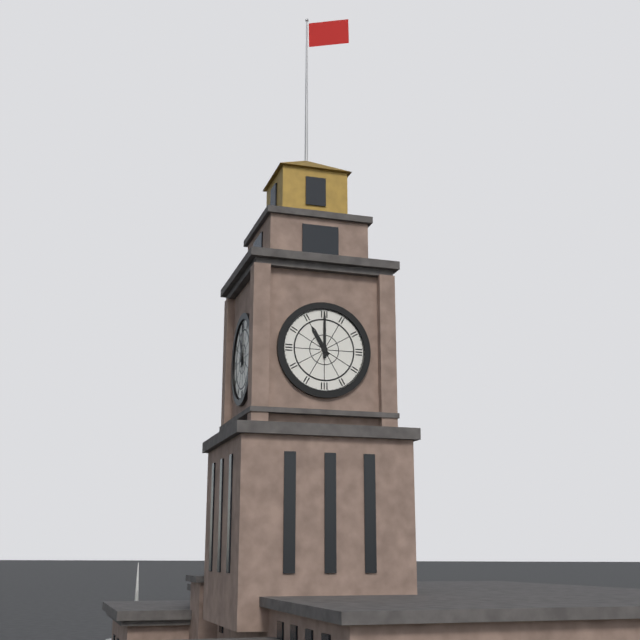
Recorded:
h=11 m=0
